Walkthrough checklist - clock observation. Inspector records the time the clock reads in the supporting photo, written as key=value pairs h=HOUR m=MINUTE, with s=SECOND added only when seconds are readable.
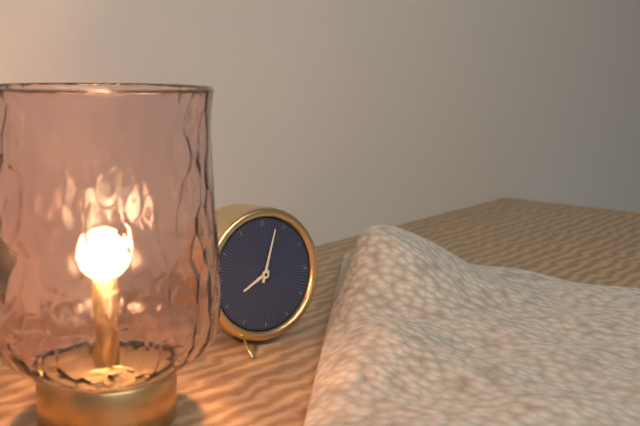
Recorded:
h=8 m=3
